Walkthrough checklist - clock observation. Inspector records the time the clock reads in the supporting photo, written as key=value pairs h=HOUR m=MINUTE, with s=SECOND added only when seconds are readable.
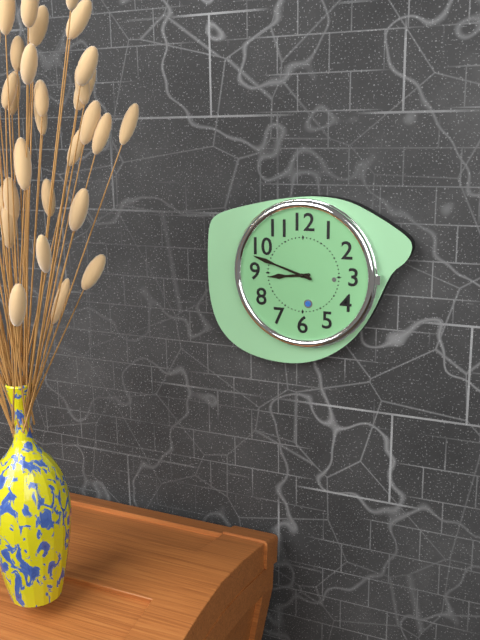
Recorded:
h=8 m=48
